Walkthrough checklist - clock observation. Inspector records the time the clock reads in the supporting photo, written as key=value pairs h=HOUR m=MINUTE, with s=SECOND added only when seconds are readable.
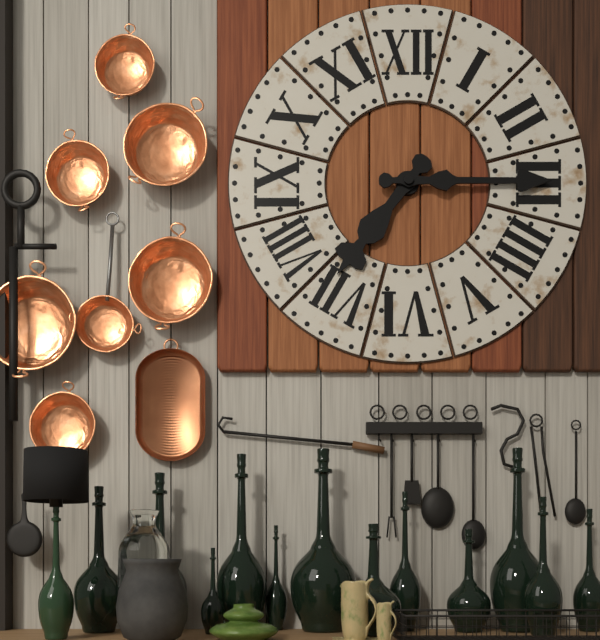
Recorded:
h=7 m=15
